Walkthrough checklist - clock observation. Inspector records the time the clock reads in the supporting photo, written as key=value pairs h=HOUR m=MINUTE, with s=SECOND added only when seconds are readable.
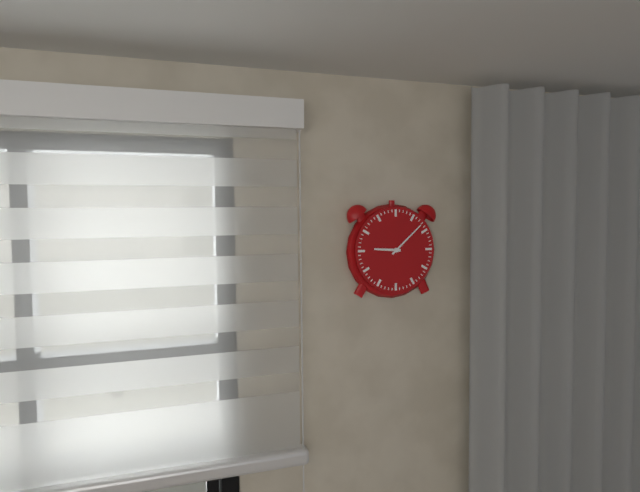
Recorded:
h=9 m=8
